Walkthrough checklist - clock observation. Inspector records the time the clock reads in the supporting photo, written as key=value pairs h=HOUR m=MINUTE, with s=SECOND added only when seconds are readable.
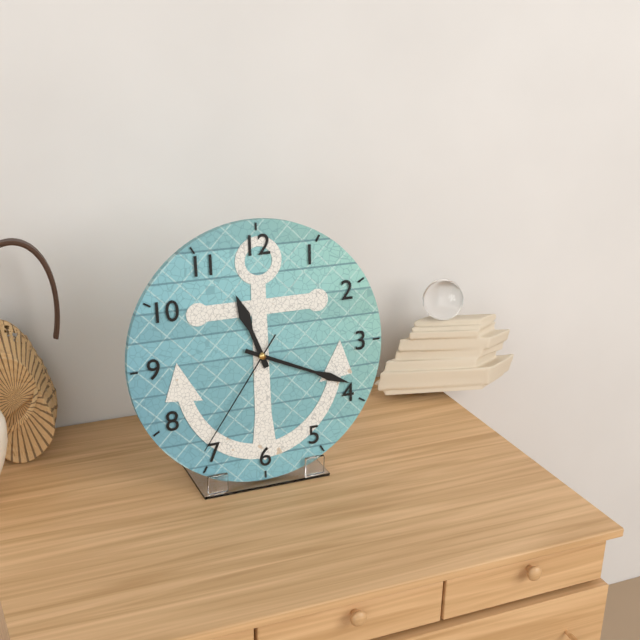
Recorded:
h=11 m=19 s=36
